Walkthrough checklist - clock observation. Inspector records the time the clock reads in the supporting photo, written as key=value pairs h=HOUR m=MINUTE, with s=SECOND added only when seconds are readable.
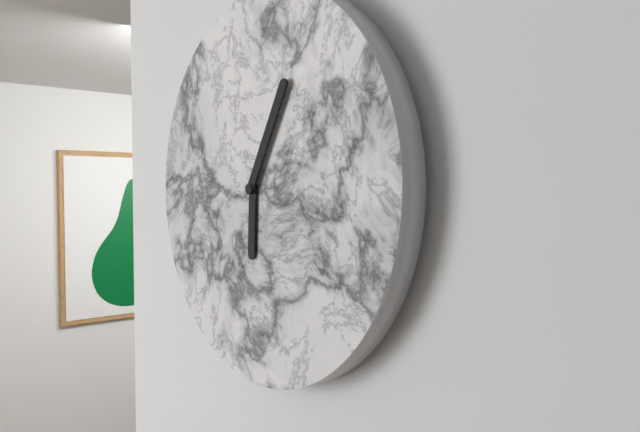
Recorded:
h=6 m=5
